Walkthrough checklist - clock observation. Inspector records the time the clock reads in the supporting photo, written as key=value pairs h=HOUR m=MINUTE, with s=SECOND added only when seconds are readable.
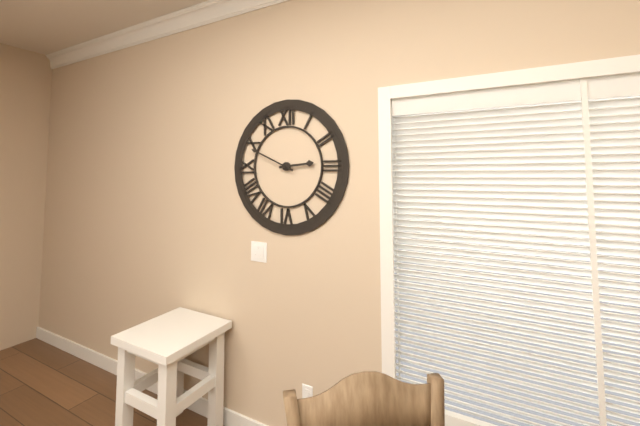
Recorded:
h=2 m=49
